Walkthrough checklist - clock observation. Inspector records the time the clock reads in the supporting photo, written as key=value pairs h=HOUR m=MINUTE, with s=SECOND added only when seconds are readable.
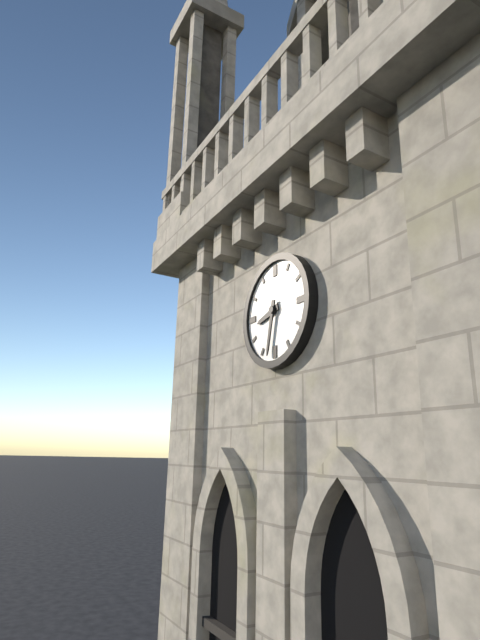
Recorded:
h=8 m=32
